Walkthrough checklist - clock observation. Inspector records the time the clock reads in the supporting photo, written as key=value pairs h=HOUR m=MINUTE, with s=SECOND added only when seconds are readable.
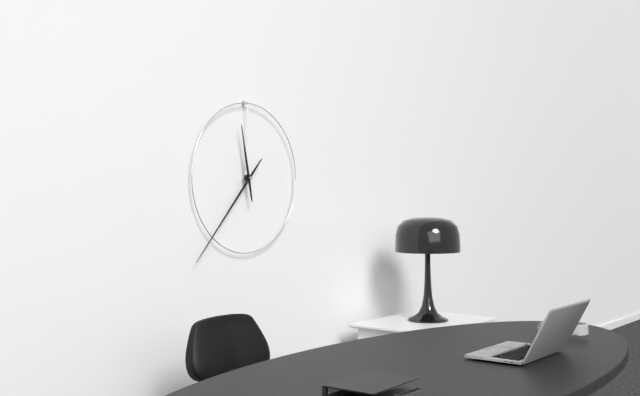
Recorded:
h=11 m=37
